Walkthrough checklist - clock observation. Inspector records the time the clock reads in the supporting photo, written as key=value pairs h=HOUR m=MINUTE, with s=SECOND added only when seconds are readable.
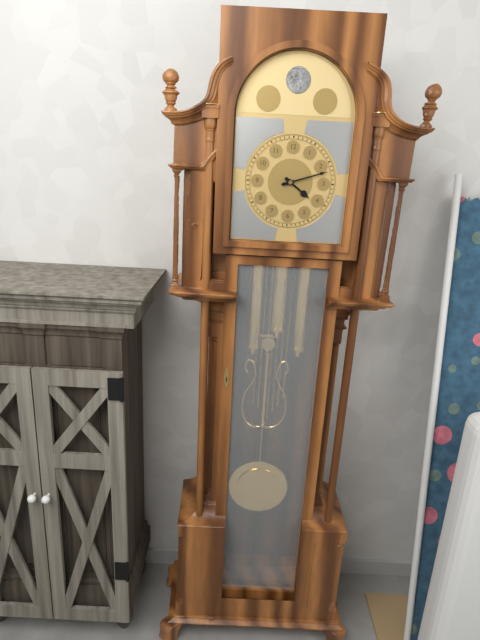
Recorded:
h=4 m=12
